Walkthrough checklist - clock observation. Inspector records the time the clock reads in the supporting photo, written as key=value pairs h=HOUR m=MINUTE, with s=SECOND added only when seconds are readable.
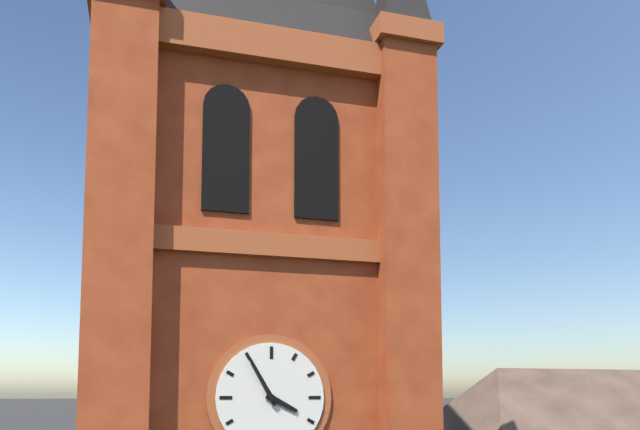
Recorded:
h=3 m=55
